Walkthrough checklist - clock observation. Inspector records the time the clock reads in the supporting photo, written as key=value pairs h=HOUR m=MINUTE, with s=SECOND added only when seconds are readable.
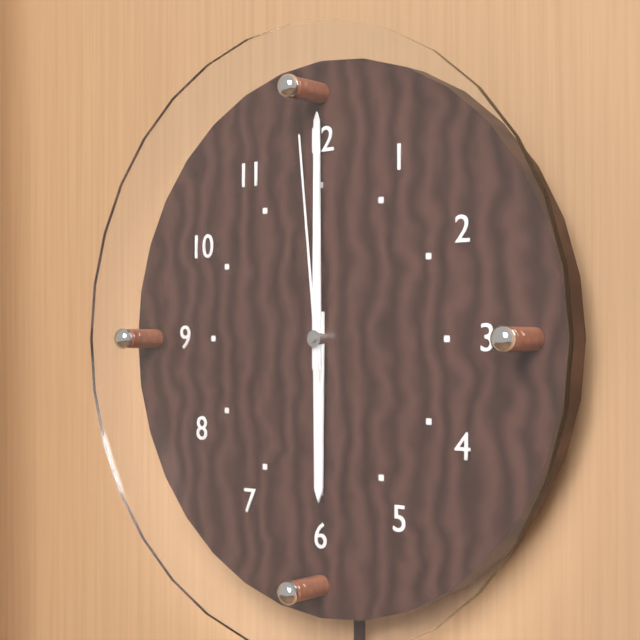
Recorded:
h=6 m=0 s=59
